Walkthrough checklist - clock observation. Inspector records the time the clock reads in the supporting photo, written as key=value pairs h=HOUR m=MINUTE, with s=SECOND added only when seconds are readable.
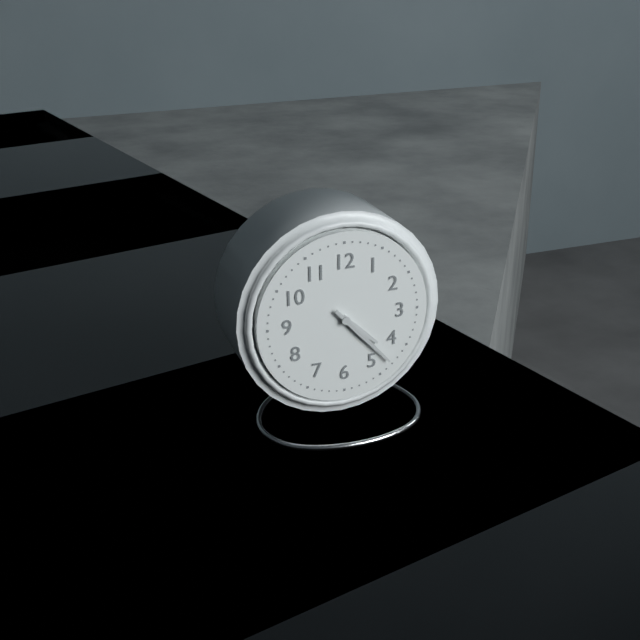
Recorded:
h=4 m=23
